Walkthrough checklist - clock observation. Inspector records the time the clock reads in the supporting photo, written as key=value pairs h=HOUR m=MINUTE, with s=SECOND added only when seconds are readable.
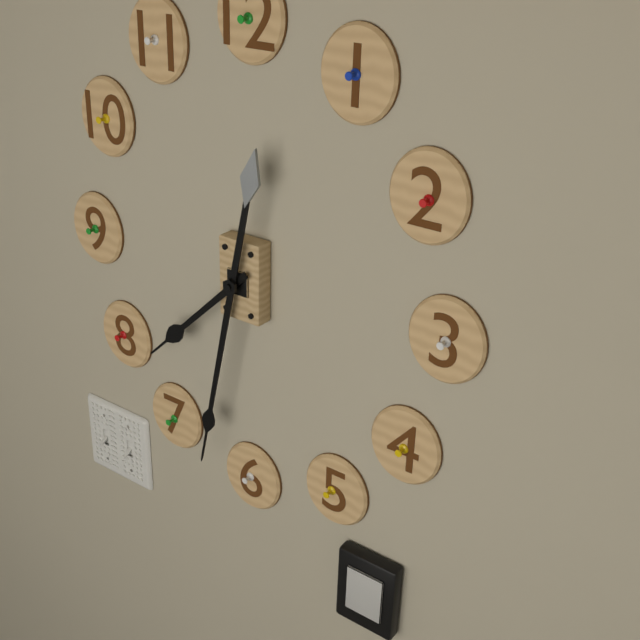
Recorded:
h=7 m=32
